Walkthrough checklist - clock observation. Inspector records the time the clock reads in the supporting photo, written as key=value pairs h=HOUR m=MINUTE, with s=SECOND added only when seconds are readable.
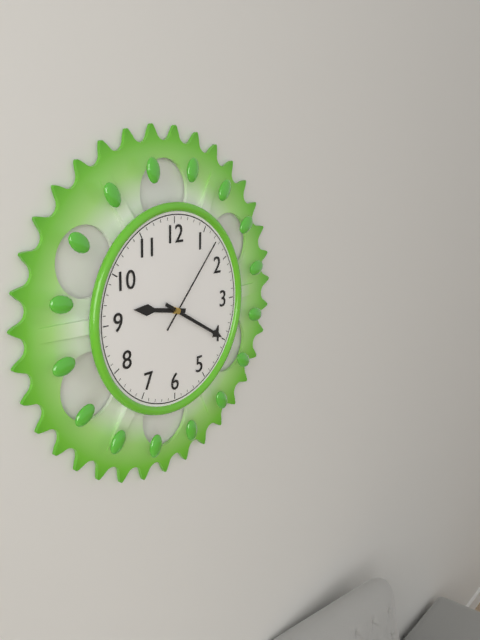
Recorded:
h=9 m=20 s=7
